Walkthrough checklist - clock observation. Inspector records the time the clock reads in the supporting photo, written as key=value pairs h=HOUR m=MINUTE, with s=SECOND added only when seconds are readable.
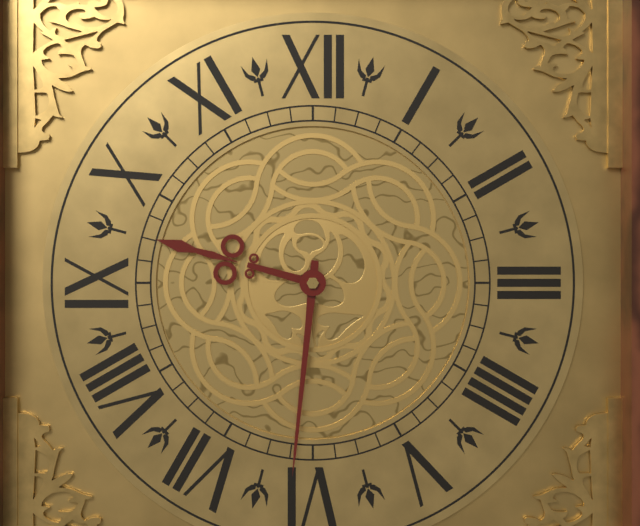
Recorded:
h=9 m=31
